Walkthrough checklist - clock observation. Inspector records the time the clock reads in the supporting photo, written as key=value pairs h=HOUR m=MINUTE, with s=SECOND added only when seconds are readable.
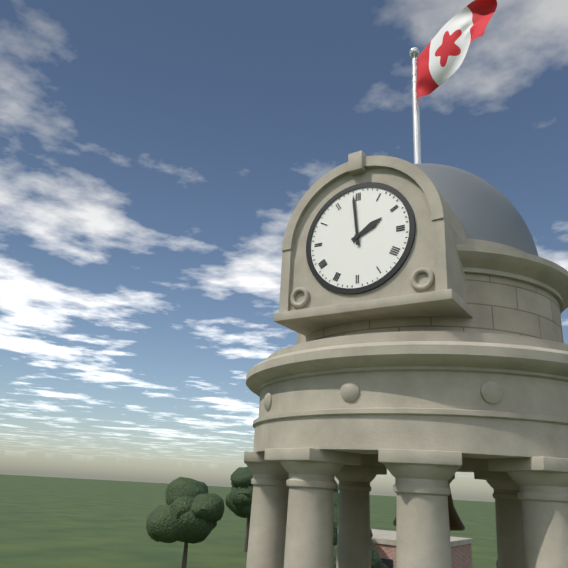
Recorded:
h=1 m=59
